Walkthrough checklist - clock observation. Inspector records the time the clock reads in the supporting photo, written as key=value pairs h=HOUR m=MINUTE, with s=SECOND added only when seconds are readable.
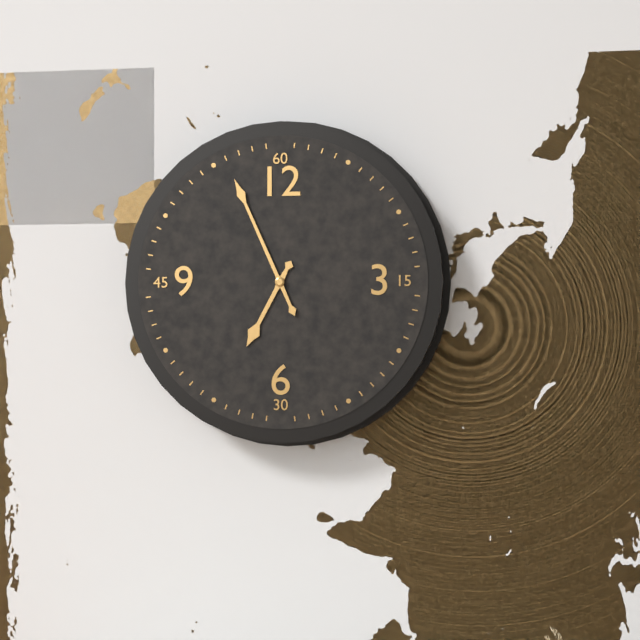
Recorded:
h=6 m=56
